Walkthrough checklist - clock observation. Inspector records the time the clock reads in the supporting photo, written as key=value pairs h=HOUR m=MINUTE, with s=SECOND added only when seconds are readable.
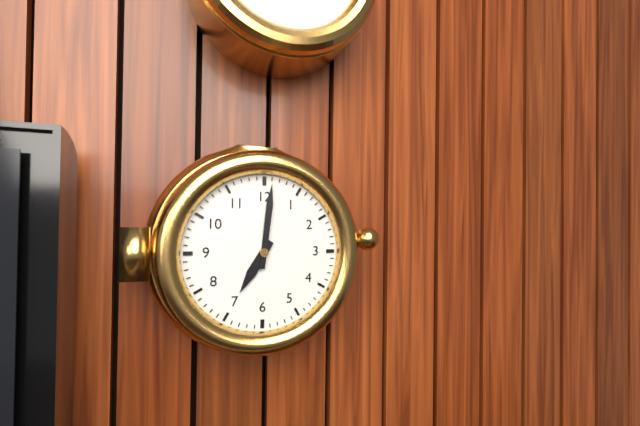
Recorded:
h=7 m=1
